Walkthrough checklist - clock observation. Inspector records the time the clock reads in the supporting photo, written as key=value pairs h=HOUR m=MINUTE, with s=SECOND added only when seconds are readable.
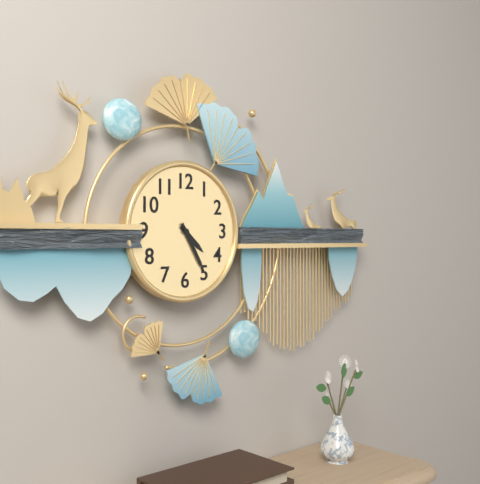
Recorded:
h=4 m=25
